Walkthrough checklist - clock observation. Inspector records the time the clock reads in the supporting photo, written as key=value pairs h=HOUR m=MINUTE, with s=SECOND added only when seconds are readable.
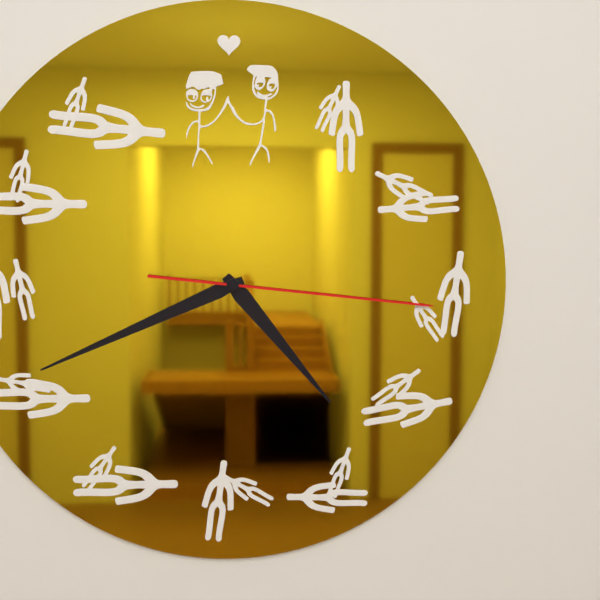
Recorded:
h=4 m=41 s=16
